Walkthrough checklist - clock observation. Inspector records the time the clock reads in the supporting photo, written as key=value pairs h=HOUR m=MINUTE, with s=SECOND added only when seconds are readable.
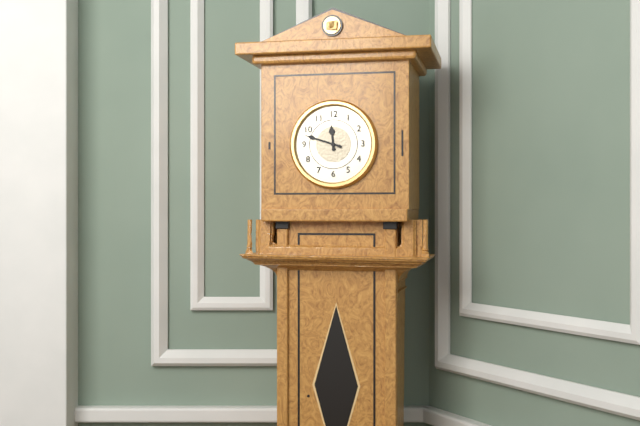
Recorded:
h=11 m=48
